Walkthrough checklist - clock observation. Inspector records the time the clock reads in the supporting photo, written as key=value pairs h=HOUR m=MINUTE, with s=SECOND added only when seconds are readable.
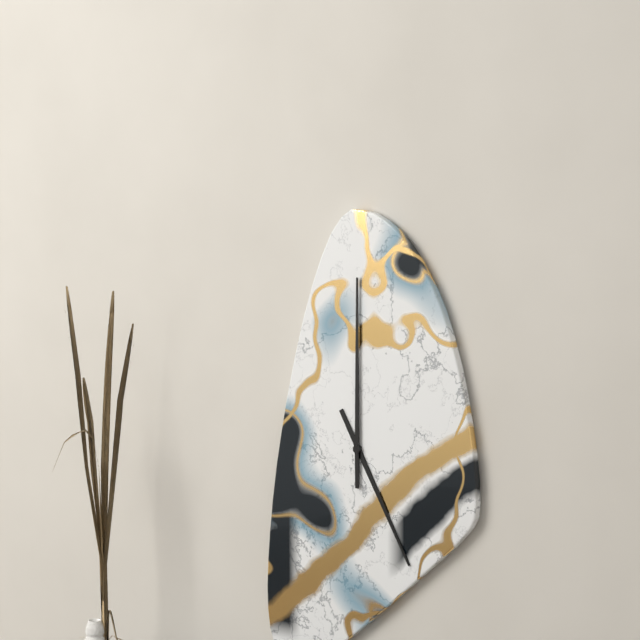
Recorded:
h=5 m=0
